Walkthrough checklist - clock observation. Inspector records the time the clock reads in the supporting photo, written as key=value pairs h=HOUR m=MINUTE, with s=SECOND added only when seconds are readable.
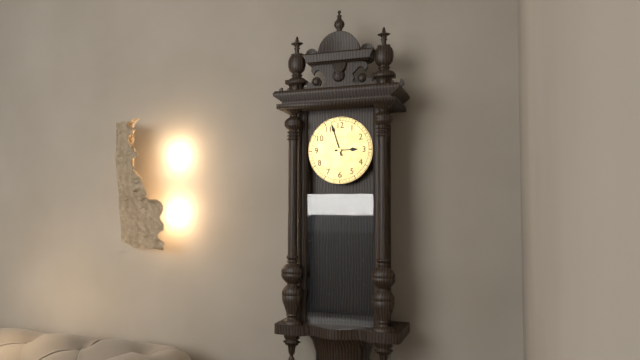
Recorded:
h=2 m=57
